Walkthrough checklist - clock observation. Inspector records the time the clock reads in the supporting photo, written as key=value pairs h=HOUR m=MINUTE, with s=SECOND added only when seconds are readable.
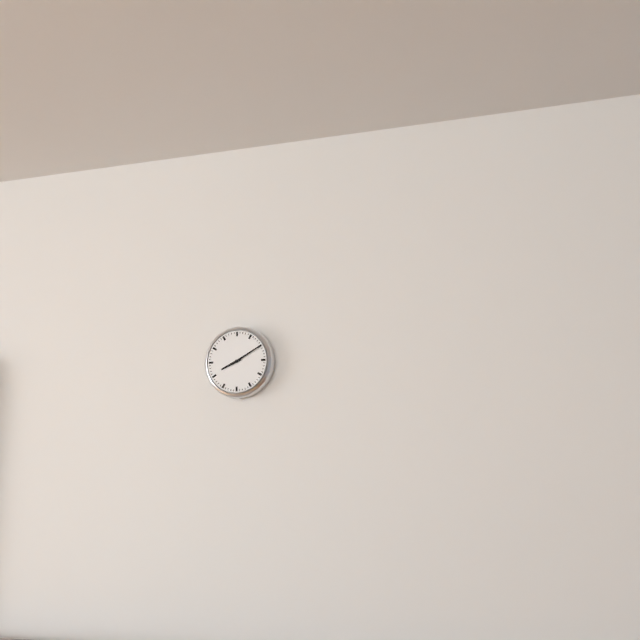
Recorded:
h=8 m=10
